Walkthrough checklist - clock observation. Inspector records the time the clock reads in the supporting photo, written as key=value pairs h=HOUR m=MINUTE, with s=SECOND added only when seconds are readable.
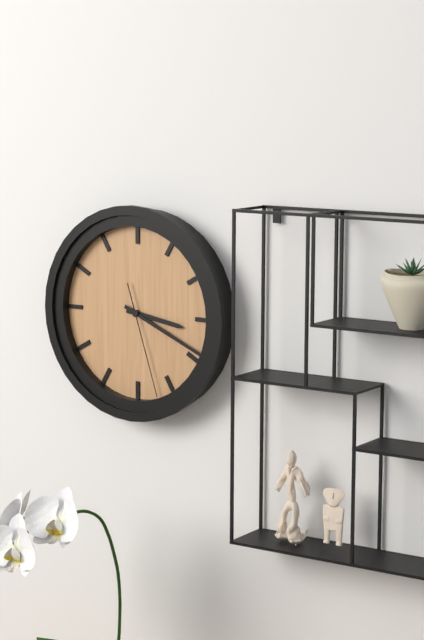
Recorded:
h=3 m=19 s=27
